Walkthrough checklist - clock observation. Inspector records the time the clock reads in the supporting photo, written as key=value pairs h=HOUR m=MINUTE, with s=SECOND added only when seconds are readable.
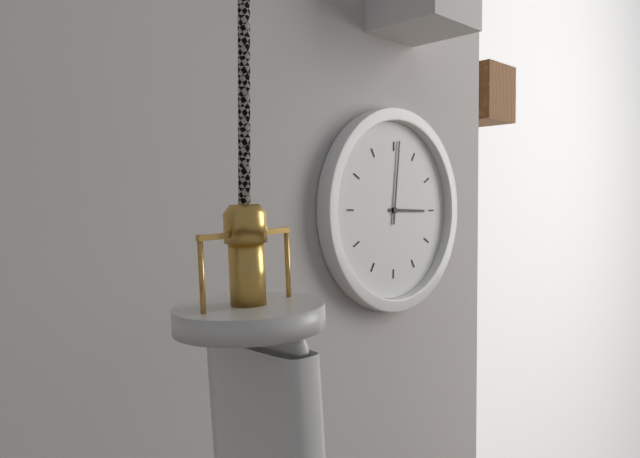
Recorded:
h=3 m=1
